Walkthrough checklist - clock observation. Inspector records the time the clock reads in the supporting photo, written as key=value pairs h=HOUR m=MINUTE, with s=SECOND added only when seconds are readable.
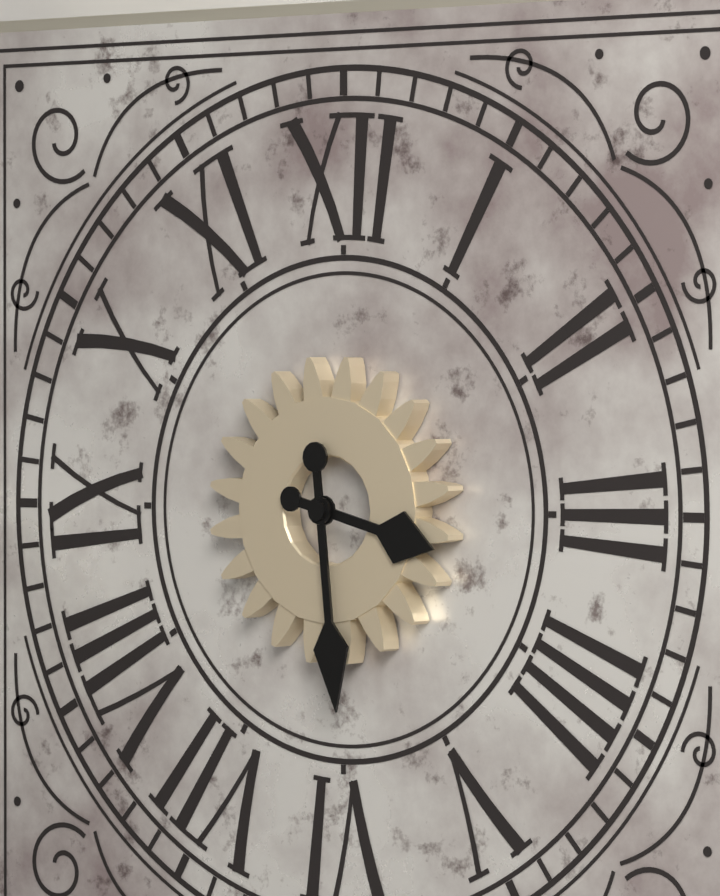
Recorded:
h=3 m=29
